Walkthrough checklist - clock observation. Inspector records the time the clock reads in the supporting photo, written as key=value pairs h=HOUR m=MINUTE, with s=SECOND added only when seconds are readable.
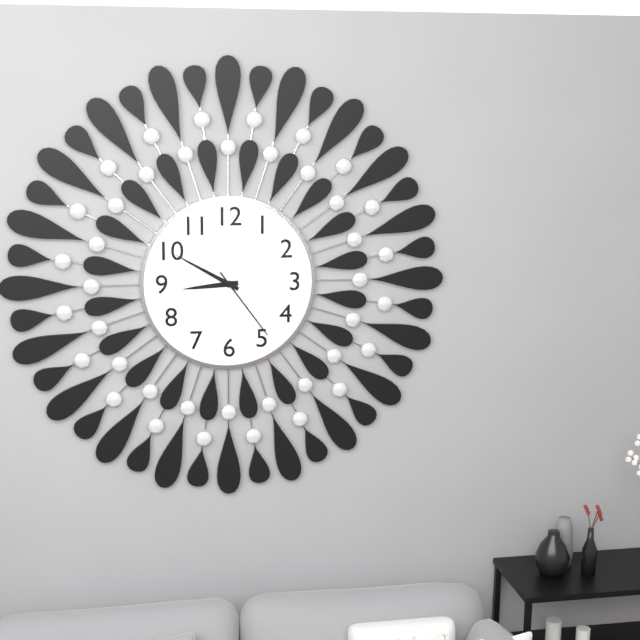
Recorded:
h=8 m=50 s=24
